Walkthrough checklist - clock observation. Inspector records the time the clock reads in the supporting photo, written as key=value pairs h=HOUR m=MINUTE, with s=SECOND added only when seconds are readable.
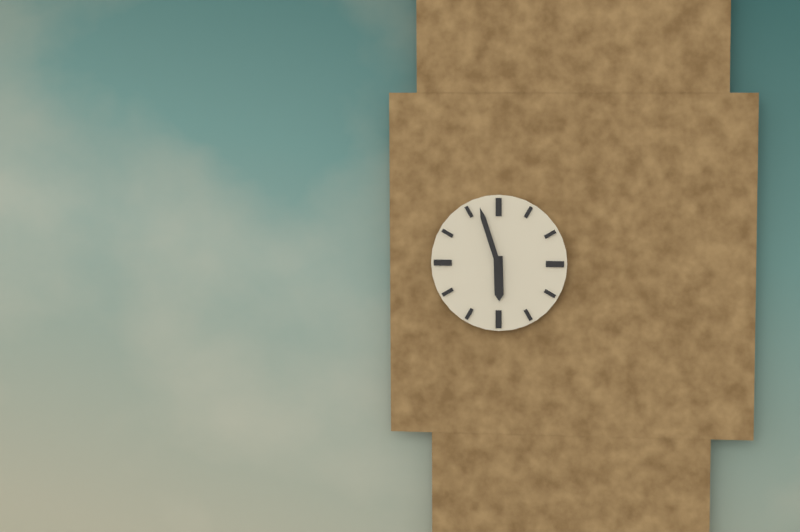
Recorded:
h=5 m=57
